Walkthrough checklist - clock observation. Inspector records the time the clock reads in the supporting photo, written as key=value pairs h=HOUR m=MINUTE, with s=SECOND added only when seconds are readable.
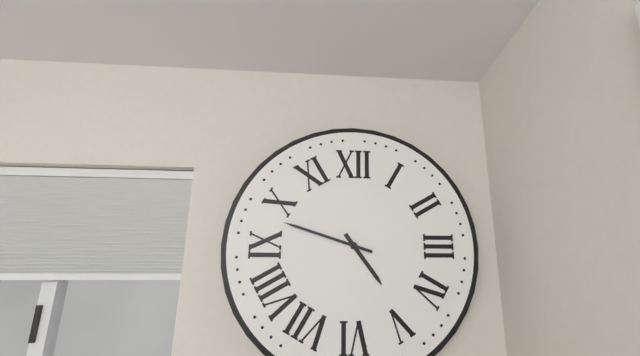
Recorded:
h=4 m=48
